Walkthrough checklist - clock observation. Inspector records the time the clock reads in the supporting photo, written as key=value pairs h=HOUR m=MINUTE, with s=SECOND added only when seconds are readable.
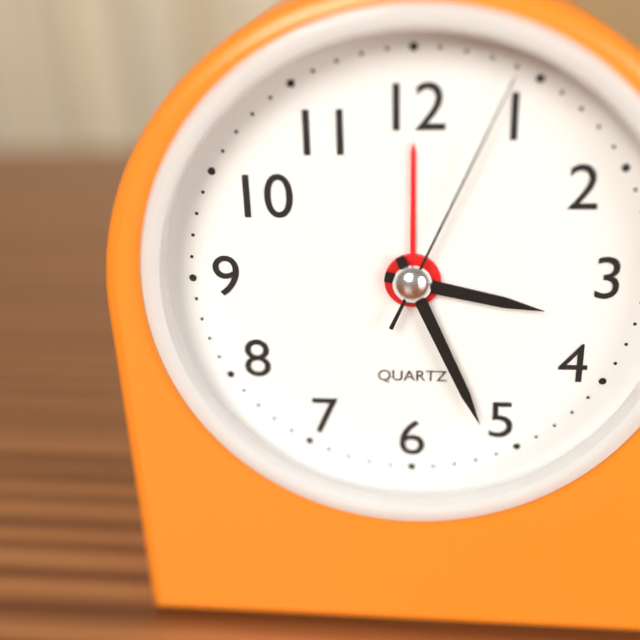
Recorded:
h=3 m=26 s=4
